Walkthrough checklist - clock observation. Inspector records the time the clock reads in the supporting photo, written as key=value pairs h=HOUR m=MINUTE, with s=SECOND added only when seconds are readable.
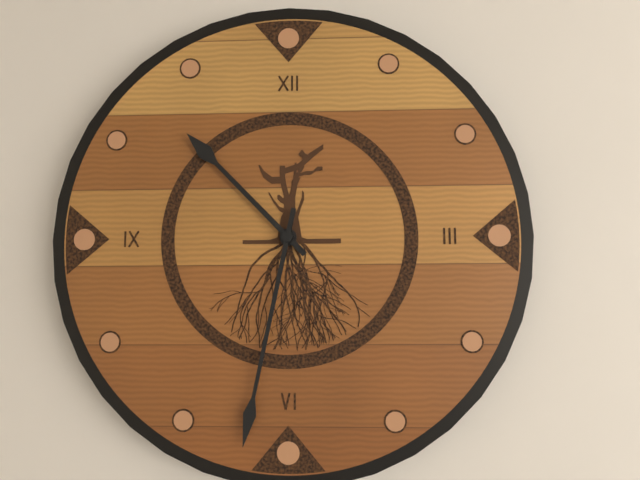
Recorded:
h=10 m=32
